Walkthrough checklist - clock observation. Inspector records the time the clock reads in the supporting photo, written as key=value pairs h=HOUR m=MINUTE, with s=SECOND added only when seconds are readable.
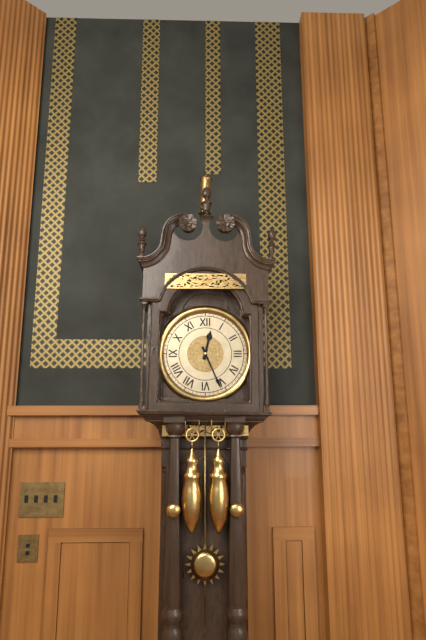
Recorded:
h=12 m=26
